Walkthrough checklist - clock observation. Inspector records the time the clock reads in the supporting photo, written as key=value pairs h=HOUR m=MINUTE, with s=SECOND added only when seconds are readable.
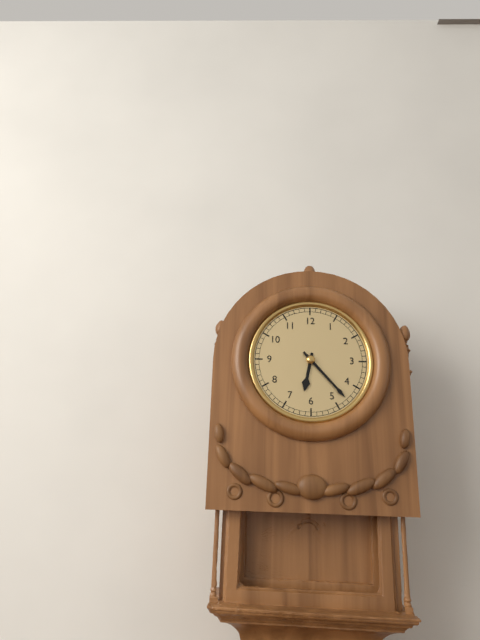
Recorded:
h=6 m=23
